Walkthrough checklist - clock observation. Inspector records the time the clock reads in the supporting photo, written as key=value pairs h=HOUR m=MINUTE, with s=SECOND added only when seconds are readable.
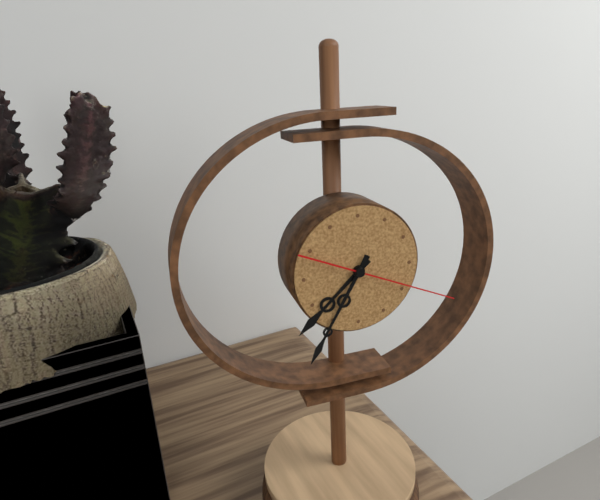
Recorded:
h=7 m=35 s=19
